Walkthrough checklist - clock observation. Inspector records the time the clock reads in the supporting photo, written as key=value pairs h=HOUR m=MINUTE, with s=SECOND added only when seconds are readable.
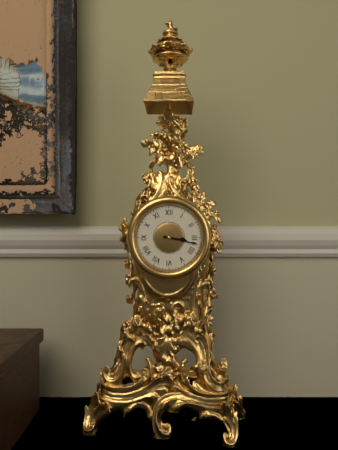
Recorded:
h=3 m=17
